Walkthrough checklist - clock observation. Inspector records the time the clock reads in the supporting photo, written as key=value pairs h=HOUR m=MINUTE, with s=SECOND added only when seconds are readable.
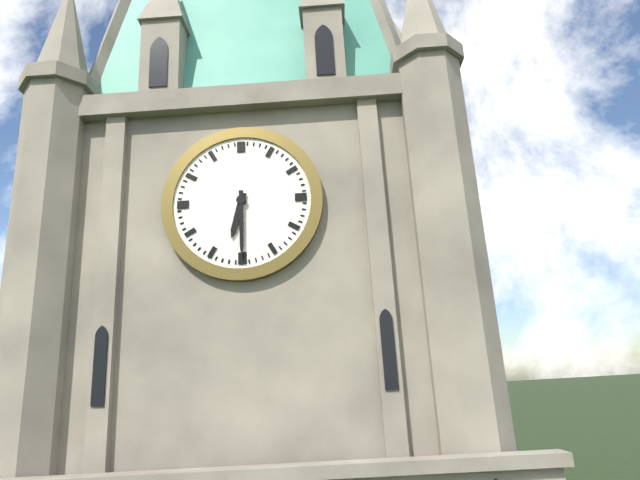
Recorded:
h=6 m=30
